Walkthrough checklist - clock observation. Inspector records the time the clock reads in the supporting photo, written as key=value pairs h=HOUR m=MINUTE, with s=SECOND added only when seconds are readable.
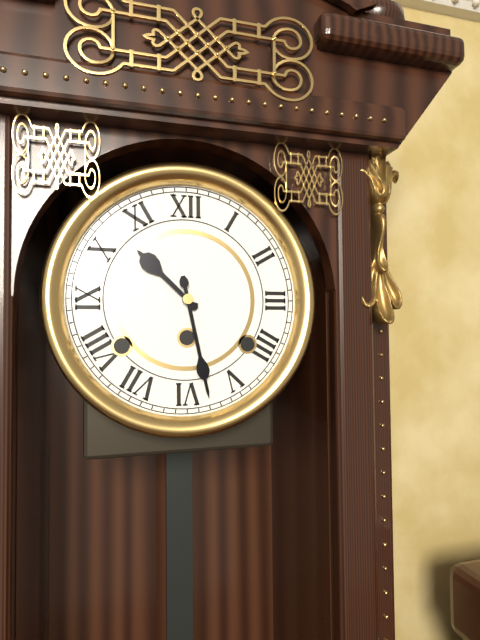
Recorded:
h=10 m=28
